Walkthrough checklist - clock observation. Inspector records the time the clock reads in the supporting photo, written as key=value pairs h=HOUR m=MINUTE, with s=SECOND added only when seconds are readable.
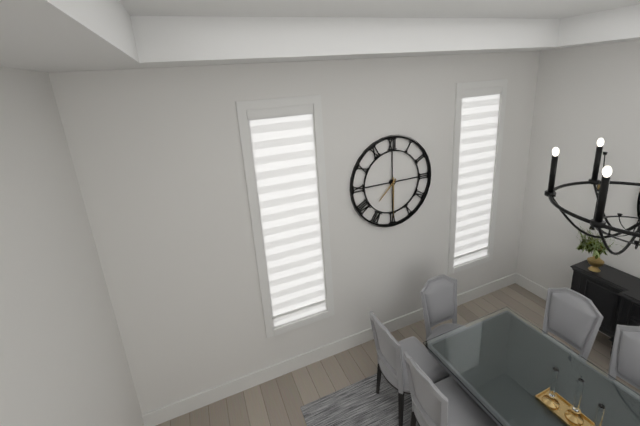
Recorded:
h=7 m=30
